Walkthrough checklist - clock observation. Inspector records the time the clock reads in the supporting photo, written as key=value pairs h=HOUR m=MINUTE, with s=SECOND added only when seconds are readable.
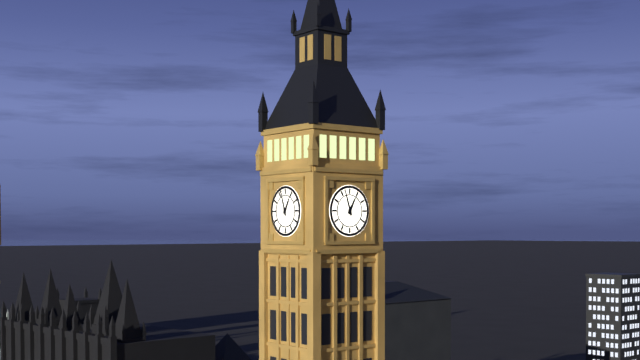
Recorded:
h=12 m=57
